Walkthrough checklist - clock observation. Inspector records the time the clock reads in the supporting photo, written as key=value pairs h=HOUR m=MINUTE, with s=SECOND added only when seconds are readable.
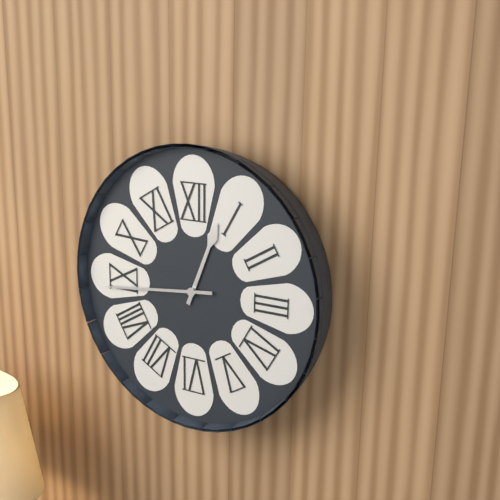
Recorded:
h=12 m=44
